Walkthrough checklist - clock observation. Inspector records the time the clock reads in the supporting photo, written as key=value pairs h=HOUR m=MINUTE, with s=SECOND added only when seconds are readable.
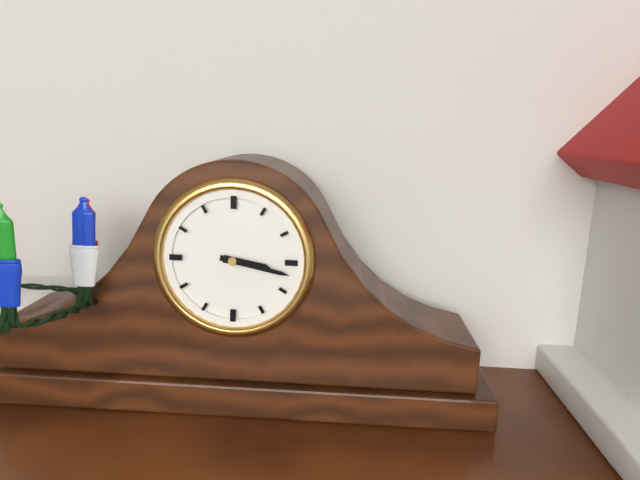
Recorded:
h=3 m=17
